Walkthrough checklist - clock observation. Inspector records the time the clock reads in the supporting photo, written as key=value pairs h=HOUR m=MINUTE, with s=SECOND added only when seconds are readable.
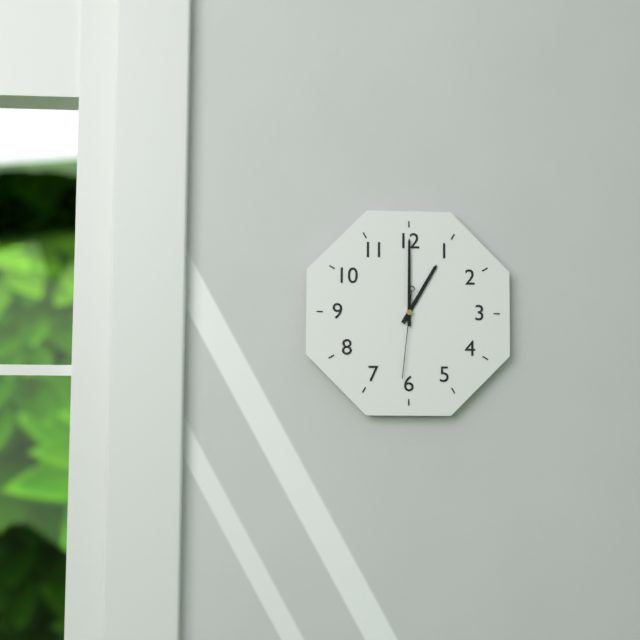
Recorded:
h=1 m=0 s=31
